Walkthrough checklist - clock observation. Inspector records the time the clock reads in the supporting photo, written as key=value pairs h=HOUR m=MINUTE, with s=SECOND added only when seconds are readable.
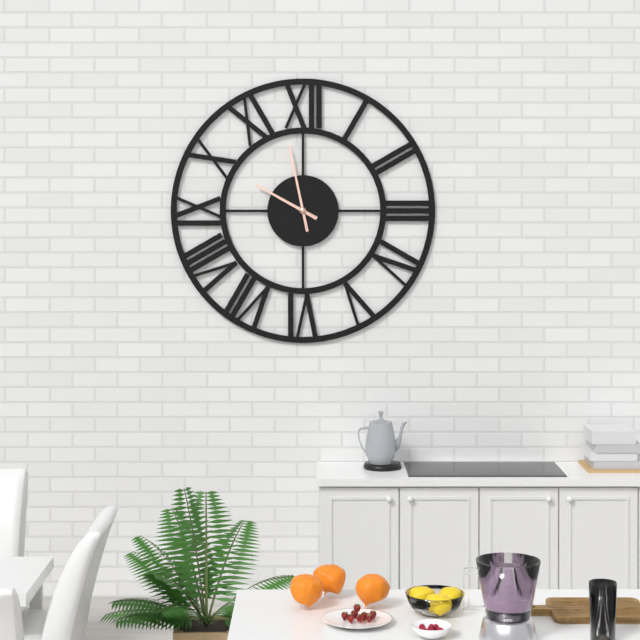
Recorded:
h=9 m=58
